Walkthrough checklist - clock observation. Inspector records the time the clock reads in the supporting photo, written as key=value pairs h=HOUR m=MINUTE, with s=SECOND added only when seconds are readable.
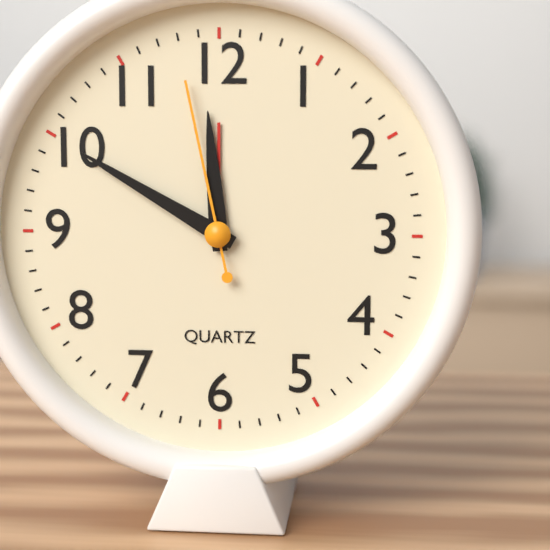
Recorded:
h=11 m=50 s=58
